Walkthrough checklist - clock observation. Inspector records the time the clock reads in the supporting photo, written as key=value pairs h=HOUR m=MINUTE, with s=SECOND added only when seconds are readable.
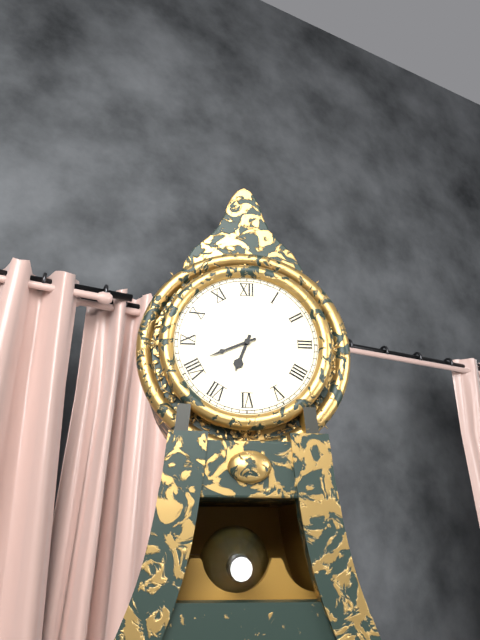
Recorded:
h=6 m=41
